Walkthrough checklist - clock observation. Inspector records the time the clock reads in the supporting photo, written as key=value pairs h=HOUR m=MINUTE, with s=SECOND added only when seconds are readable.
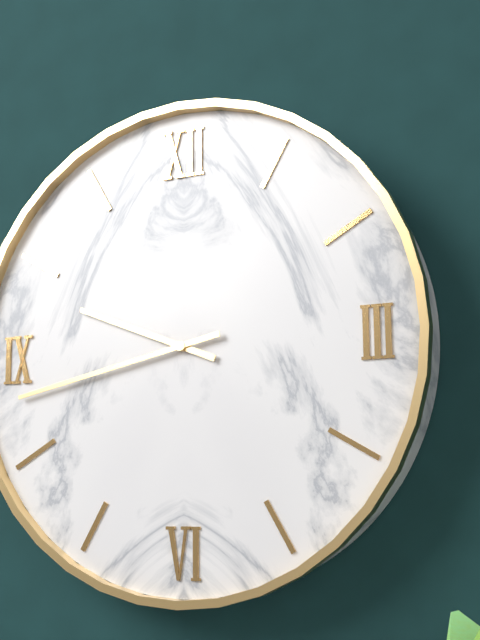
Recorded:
h=9 m=43
